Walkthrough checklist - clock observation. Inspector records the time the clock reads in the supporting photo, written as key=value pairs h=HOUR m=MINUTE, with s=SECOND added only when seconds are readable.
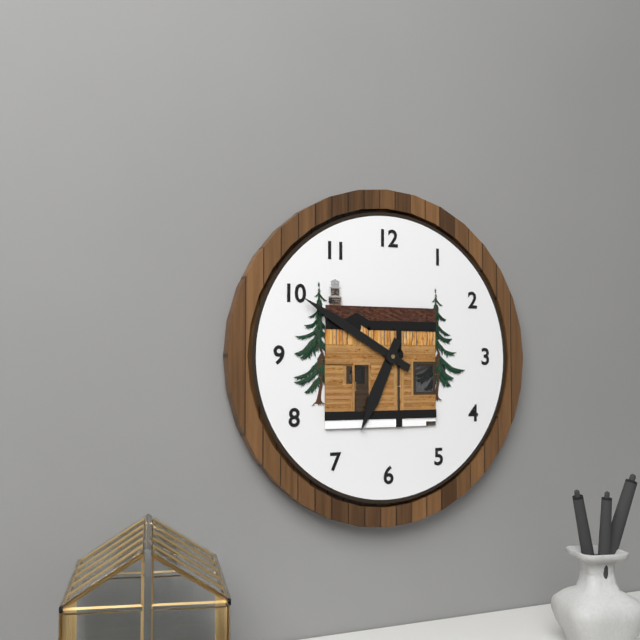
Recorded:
h=6 m=50
